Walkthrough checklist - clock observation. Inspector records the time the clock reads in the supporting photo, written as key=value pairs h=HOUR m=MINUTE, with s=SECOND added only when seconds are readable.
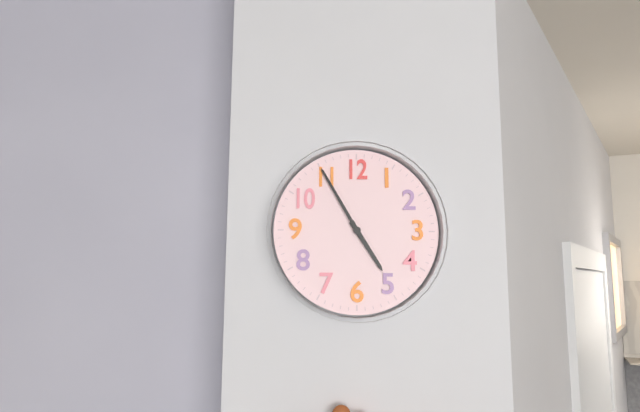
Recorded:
h=4 m=55
